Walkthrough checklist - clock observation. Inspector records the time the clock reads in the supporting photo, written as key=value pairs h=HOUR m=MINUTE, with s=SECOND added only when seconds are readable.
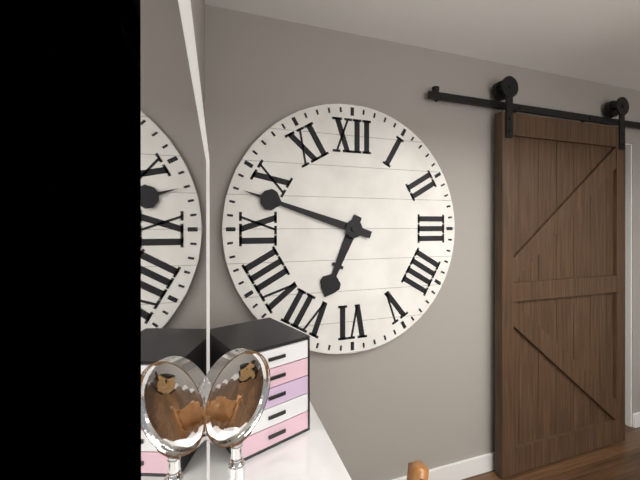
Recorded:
h=6 m=48
